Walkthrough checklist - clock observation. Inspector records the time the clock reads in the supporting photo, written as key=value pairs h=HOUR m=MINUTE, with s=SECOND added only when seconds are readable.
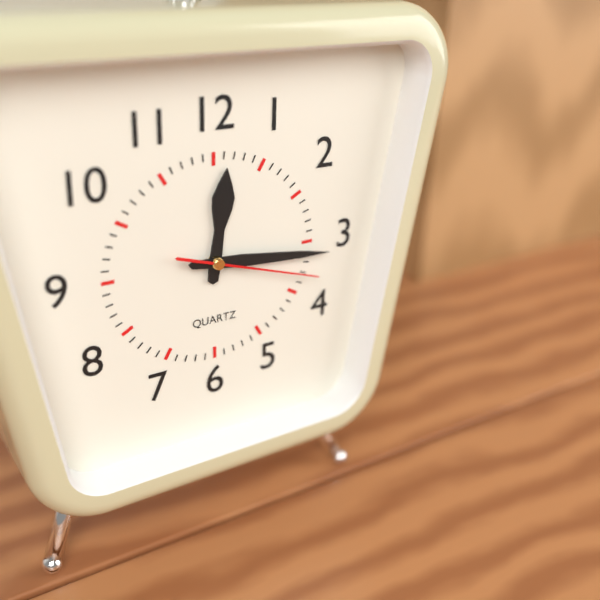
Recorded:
h=12 m=16 s=18
